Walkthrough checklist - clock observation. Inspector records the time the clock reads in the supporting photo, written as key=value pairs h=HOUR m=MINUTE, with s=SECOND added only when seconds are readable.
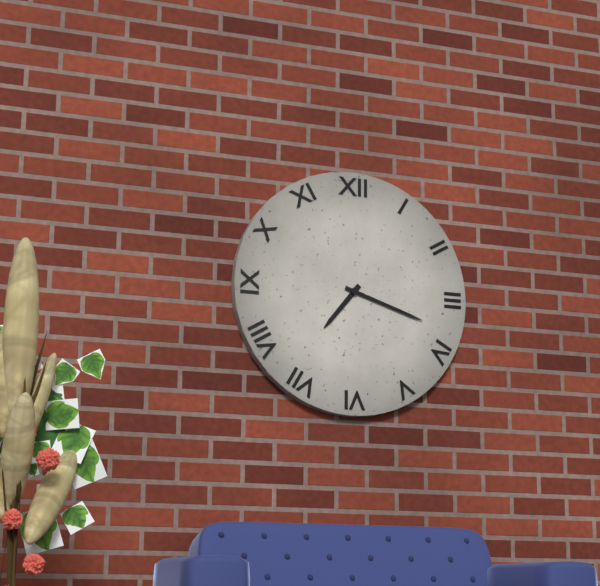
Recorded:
h=7 m=18
